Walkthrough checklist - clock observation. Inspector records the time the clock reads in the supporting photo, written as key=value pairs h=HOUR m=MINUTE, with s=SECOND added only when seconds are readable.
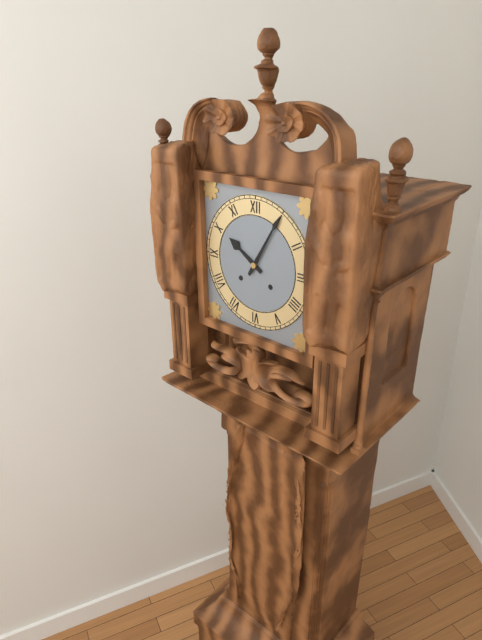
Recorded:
h=10 m=5
